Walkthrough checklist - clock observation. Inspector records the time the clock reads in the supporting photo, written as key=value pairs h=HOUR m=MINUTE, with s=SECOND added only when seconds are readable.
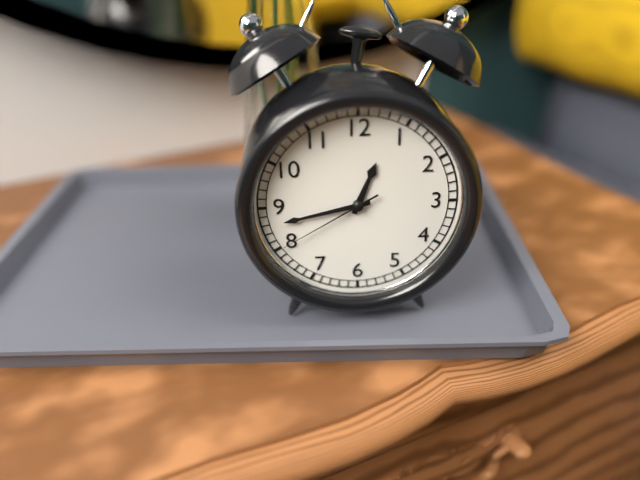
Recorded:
h=12 m=43 s=40
